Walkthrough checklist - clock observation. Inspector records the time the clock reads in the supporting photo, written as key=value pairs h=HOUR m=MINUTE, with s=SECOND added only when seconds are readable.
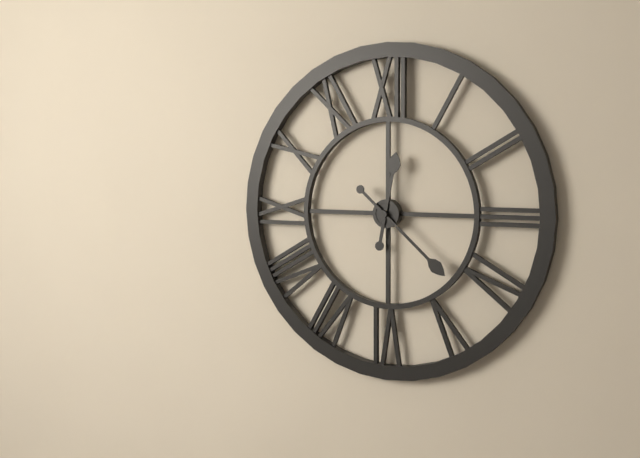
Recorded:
h=12 m=22
